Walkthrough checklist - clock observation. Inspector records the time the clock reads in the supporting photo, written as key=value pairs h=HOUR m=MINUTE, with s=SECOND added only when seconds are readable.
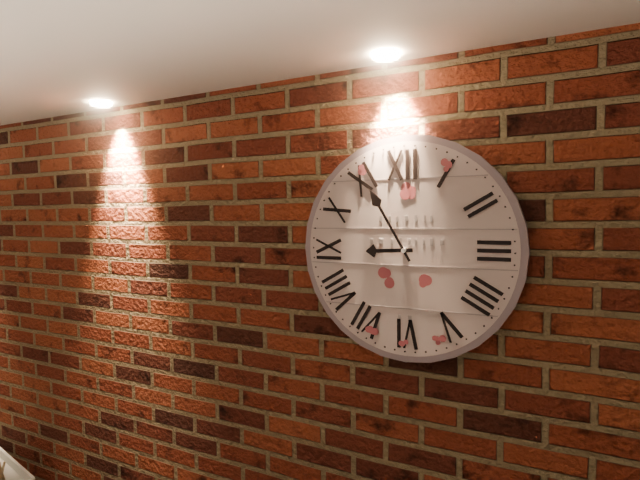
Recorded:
h=8 m=55
